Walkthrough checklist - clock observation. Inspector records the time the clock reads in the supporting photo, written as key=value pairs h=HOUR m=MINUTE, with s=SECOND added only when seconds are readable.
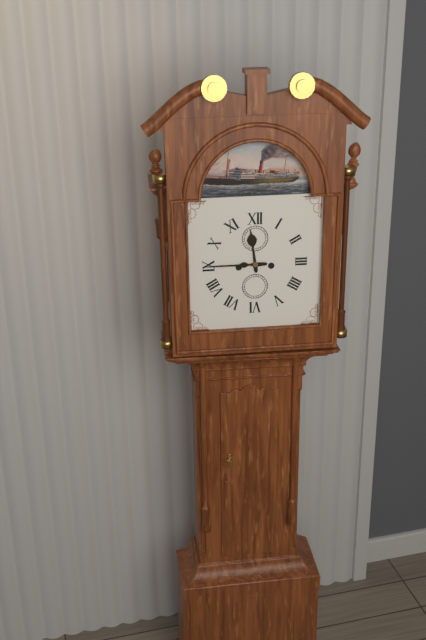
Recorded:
h=11 m=45
